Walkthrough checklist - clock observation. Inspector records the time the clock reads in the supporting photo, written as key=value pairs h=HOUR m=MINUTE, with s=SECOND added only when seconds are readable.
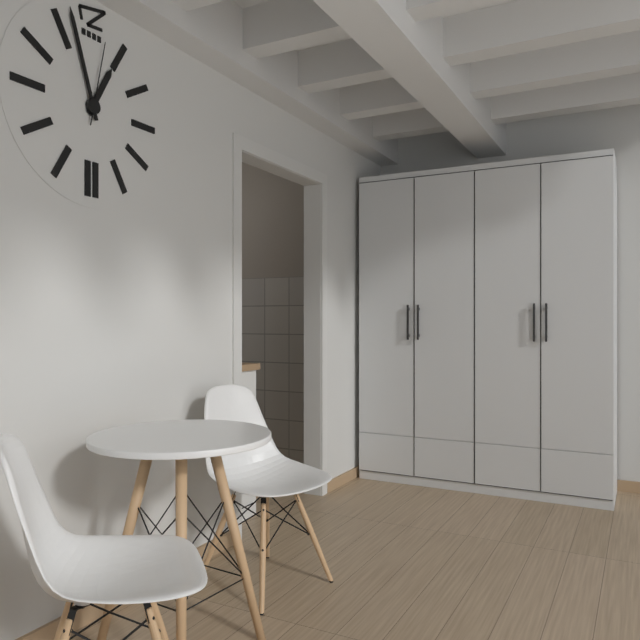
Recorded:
h=12 m=57 s=2
